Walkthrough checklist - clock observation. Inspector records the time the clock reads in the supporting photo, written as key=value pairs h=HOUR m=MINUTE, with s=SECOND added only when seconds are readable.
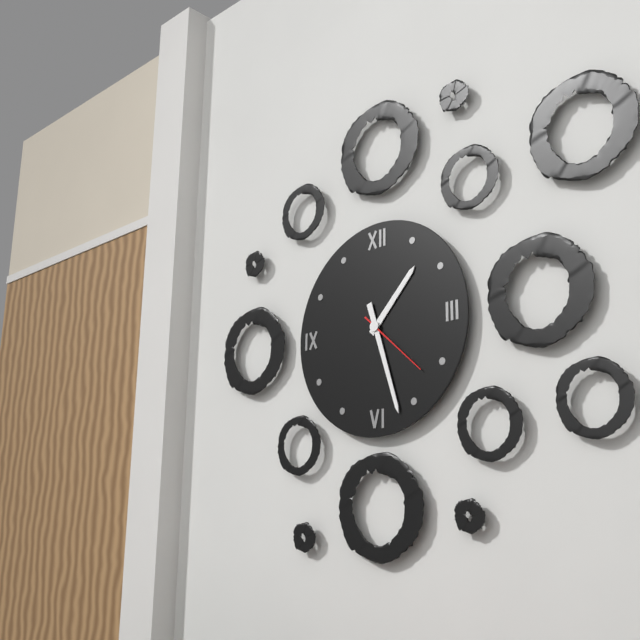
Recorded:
h=1 m=27 s=22
